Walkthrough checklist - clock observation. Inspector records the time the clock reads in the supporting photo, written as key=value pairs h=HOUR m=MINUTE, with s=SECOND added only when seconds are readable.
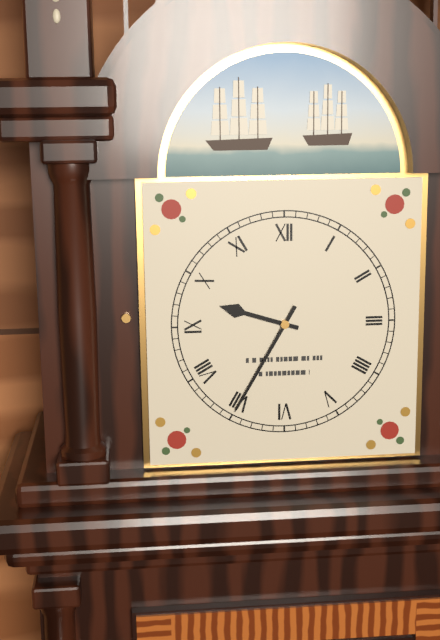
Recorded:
h=9 m=35
